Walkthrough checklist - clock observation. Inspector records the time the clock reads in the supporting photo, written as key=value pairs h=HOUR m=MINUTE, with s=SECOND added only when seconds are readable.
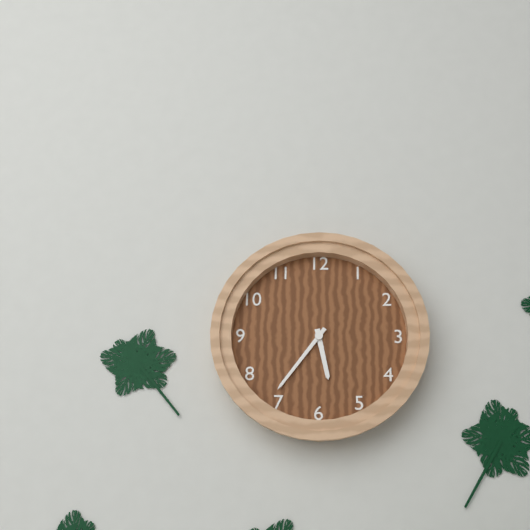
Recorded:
h=5 m=36
